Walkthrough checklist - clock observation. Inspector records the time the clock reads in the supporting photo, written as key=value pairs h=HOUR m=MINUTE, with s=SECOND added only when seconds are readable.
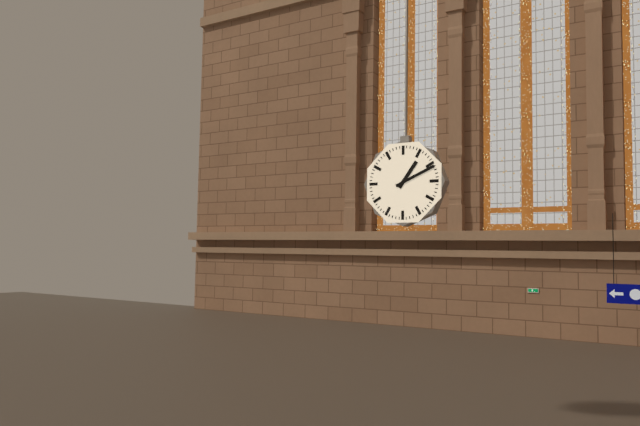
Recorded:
h=1 m=11
